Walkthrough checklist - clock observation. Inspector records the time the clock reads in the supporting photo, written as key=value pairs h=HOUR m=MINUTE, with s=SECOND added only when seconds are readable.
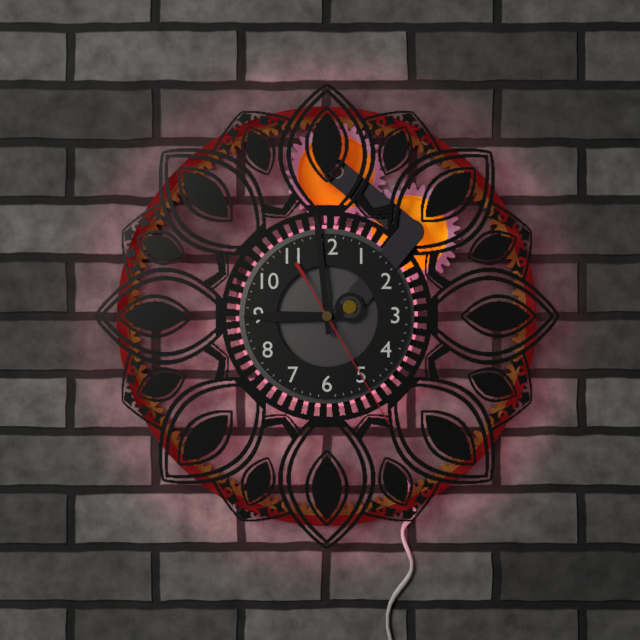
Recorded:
h=8 m=59 s=25
